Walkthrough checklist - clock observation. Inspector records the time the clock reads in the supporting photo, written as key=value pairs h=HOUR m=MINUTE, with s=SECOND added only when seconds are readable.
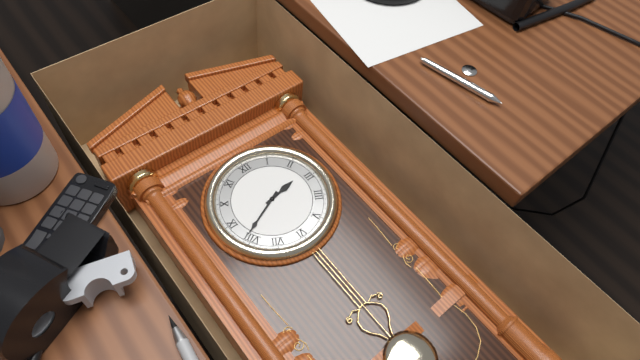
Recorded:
h=2 m=41
